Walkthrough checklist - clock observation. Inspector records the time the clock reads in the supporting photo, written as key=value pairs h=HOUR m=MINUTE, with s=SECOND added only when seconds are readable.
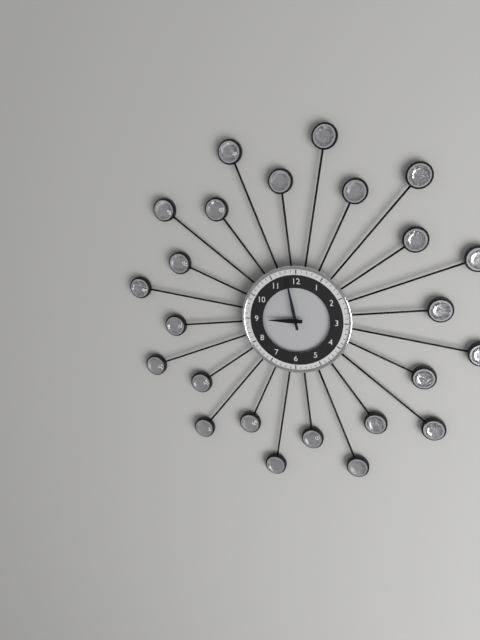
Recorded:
h=8 m=58
